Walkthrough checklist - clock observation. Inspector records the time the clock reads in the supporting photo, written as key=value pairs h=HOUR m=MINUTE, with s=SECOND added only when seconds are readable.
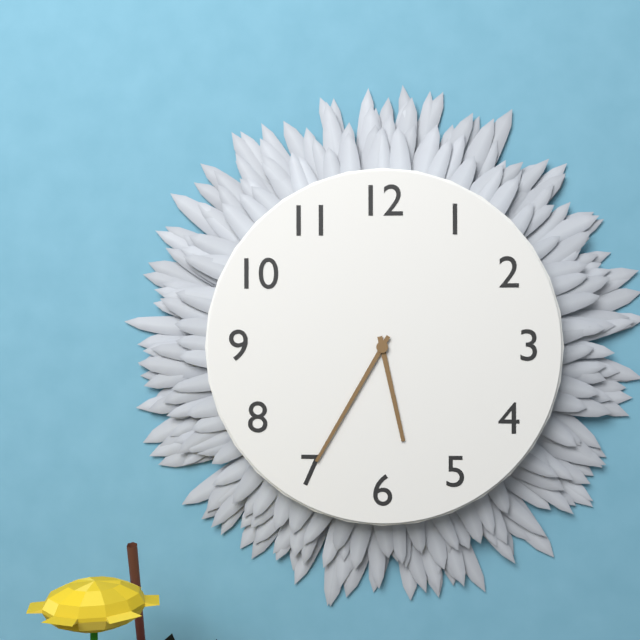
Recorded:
h=5 m=35
